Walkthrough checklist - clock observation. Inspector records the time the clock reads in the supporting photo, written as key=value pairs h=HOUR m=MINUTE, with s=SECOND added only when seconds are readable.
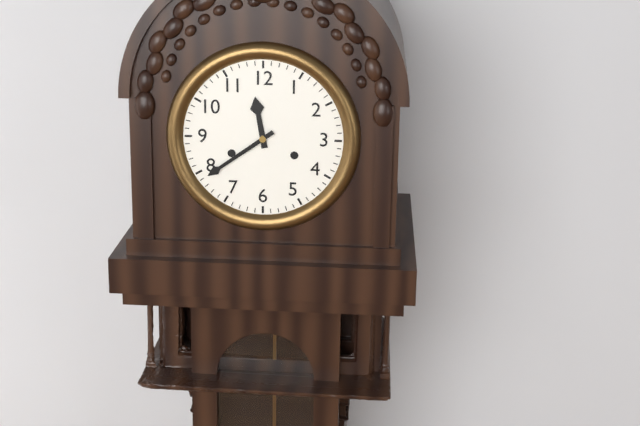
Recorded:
h=11 m=39
